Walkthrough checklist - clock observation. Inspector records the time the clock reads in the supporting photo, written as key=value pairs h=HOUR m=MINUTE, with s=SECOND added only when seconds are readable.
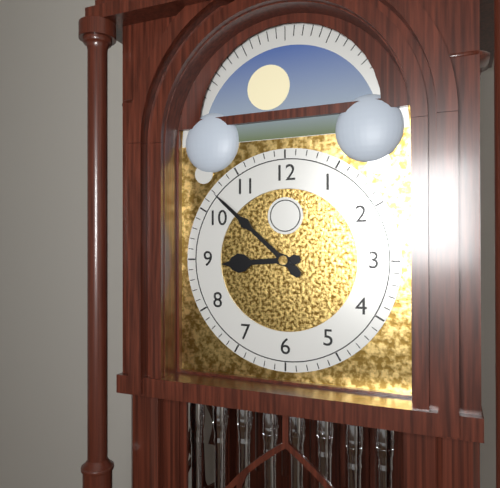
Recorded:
h=8 m=52
